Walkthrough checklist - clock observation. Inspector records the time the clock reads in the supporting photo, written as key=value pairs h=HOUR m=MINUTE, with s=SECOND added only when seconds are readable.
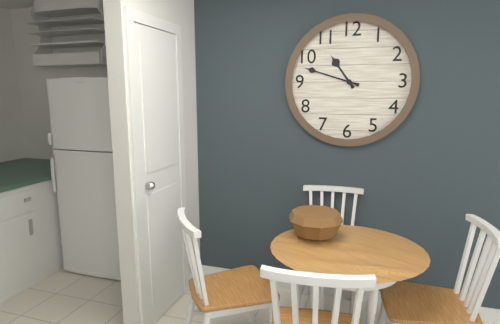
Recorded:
h=10 m=48
